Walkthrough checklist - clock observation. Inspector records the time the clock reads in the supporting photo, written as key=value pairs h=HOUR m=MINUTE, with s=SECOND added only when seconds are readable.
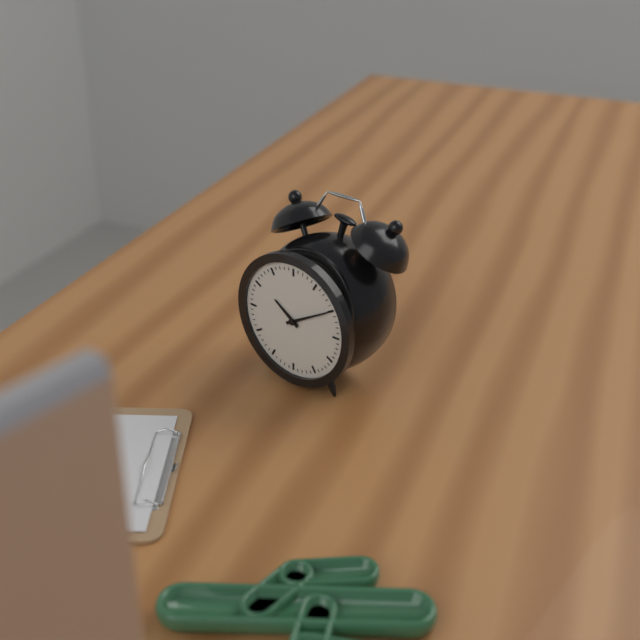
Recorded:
h=10 m=10
